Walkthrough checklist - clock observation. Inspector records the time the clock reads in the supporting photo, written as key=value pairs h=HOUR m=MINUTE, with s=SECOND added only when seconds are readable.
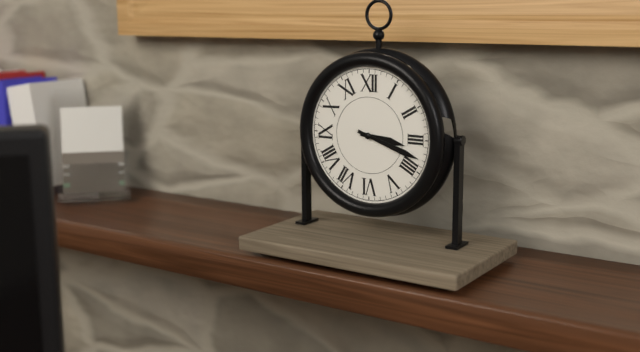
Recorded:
h=3 m=18
